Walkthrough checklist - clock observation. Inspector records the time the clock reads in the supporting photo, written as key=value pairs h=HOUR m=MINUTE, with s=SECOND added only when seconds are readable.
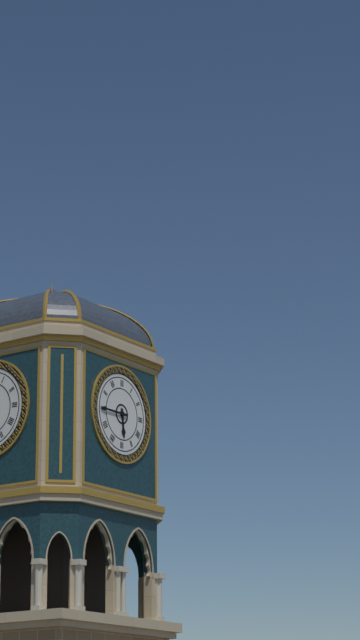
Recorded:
h=5 m=45
